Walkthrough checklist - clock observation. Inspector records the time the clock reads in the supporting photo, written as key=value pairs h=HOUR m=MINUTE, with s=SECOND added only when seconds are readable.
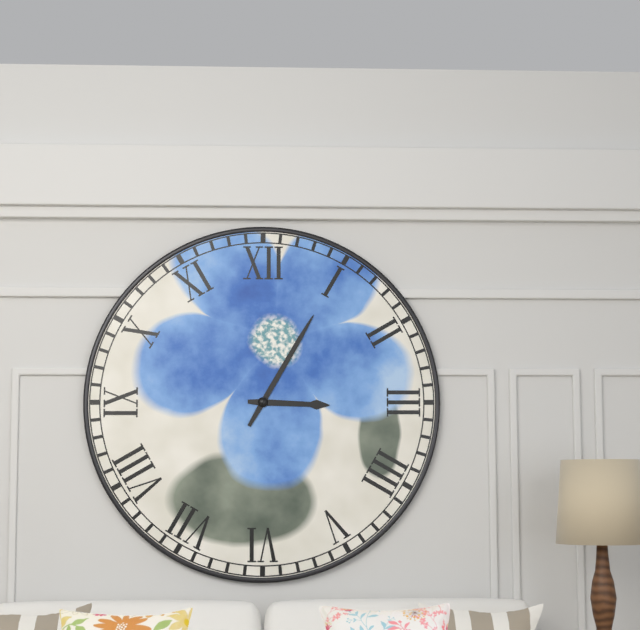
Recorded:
h=3 m=5
